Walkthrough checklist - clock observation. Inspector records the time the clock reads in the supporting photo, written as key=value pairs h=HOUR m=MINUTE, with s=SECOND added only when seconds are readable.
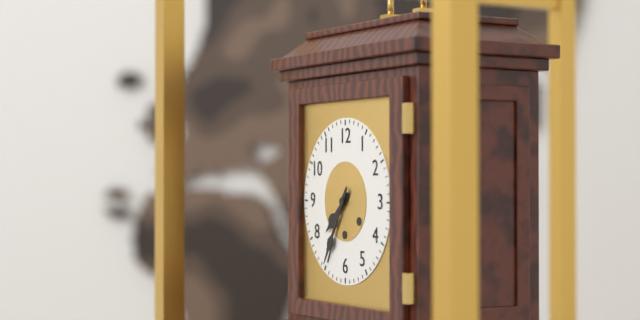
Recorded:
h=7 m=35
